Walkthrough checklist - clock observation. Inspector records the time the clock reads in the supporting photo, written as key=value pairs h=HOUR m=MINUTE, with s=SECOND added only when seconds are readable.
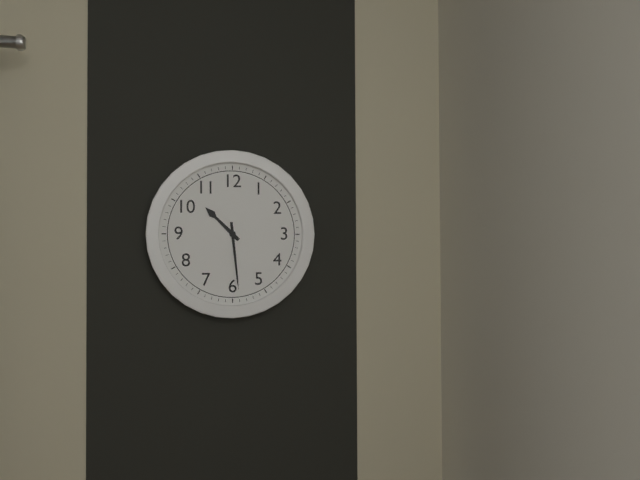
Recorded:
h=10 m=29
